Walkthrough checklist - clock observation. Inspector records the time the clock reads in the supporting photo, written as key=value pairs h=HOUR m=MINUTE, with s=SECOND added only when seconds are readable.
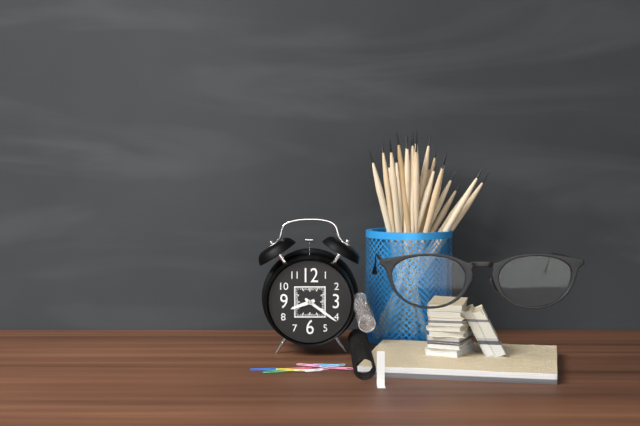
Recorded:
h=8 m=21
